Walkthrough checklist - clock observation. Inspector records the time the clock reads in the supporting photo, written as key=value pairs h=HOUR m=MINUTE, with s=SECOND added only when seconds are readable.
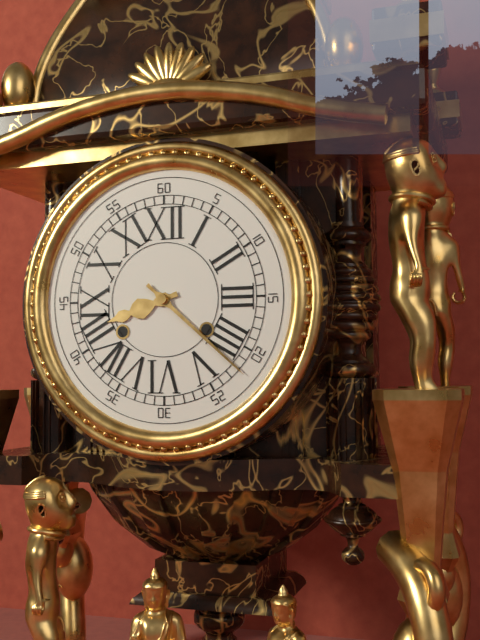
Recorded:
h=8 m=22
